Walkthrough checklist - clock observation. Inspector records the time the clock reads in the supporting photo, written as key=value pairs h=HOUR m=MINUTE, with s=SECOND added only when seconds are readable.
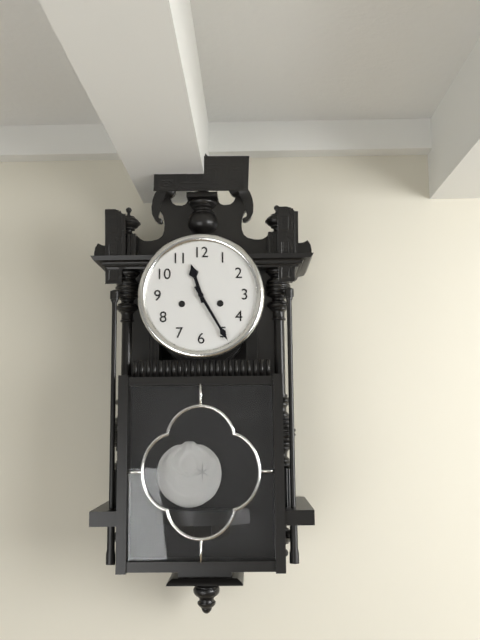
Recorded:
h=11 m=25
